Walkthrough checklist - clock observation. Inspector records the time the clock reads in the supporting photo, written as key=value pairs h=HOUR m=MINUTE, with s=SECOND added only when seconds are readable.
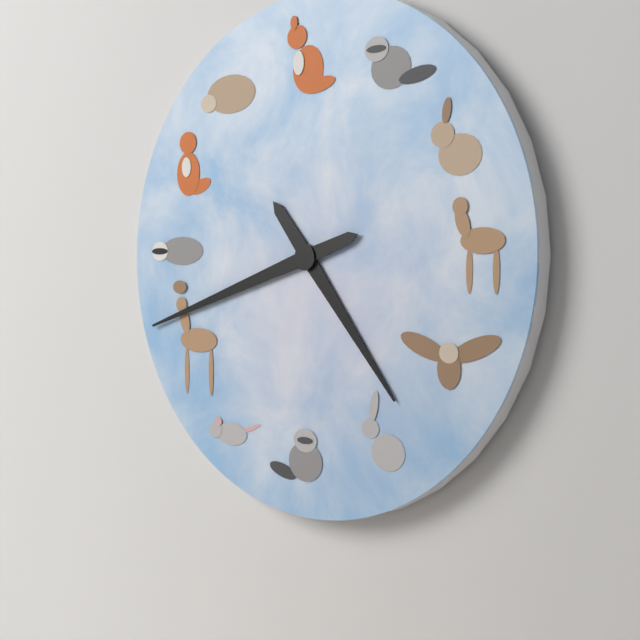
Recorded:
h=4 m=42
